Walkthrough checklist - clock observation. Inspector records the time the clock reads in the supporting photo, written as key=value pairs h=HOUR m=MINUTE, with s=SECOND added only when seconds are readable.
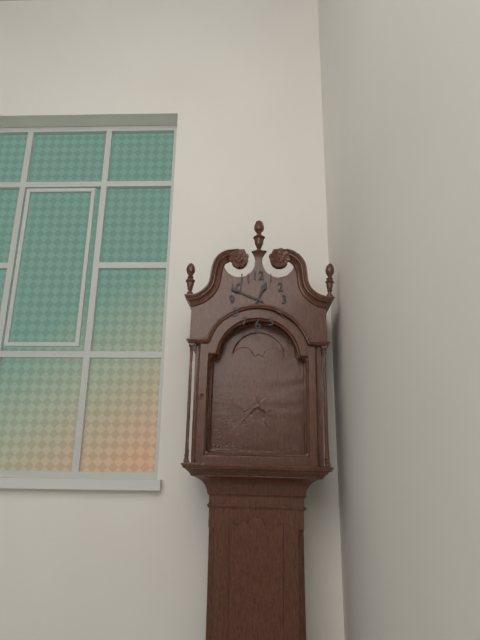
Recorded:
h=12 m=49
